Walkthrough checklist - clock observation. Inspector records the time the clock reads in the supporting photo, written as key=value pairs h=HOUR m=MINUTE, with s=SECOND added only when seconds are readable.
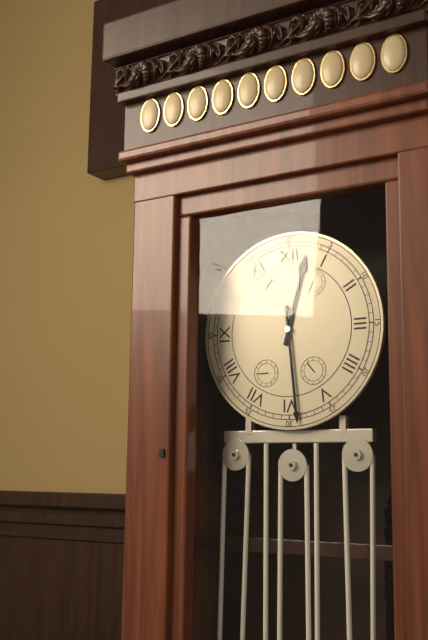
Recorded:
h=12 m=29
